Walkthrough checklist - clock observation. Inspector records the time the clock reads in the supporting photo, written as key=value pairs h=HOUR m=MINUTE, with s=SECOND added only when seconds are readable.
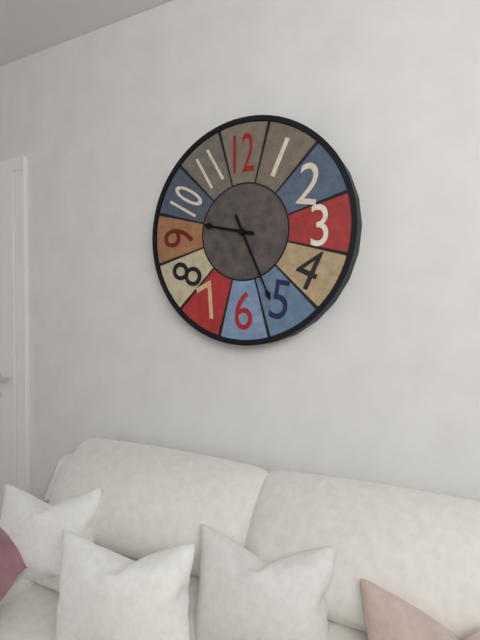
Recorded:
h=9 m=26
